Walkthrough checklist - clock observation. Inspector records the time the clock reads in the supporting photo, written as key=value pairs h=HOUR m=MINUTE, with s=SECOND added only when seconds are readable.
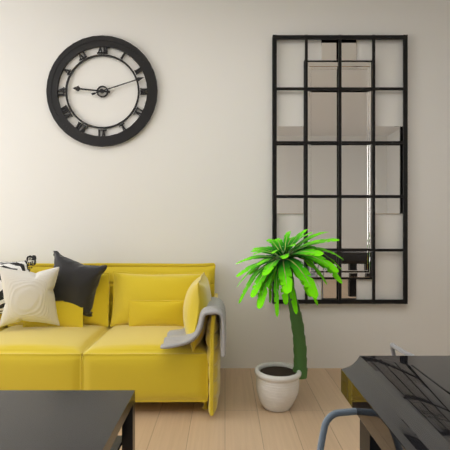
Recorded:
h=9 m=12
